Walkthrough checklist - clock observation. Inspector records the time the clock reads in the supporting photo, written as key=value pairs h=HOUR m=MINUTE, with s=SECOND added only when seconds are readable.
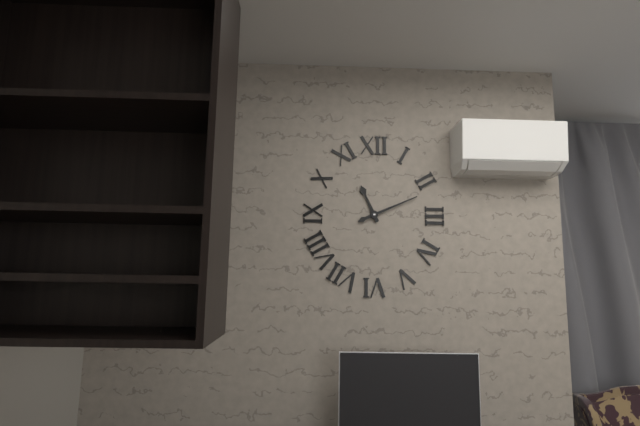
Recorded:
h=11 m=11
